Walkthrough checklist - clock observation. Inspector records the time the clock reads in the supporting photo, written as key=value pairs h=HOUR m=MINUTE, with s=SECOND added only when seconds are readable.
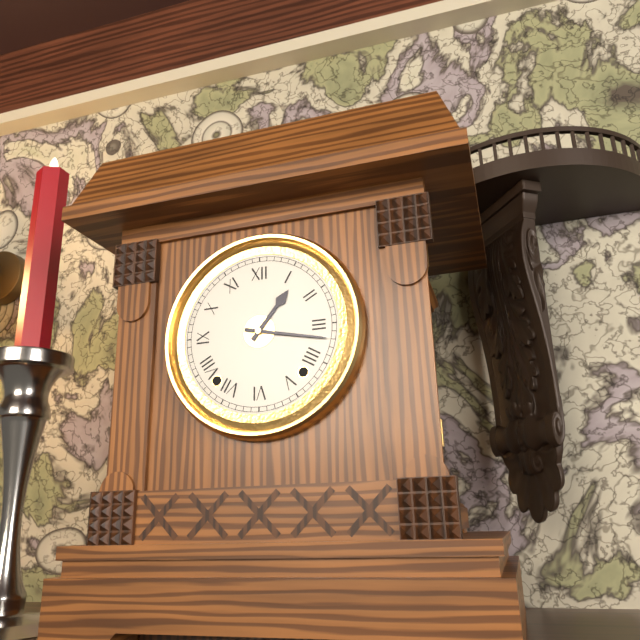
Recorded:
h=1 m=17
